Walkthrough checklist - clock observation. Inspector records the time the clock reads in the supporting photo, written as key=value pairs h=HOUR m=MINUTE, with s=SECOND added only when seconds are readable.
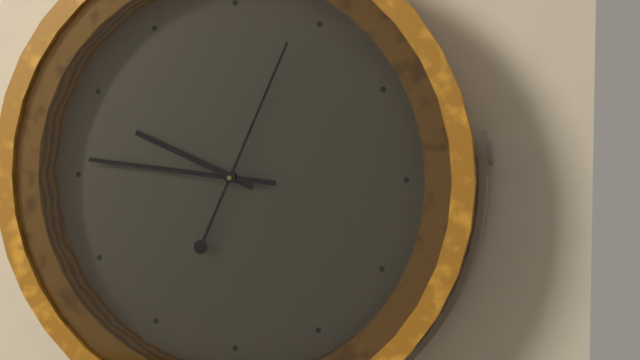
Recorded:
h=9 m=46 s=4
